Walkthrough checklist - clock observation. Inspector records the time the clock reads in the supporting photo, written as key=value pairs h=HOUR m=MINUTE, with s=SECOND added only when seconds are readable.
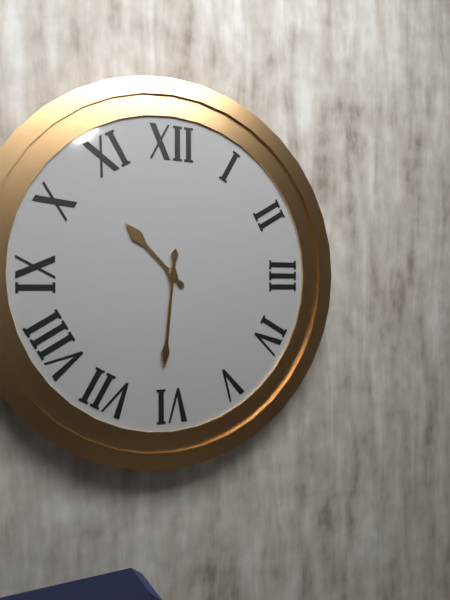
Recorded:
h=10 m=31
